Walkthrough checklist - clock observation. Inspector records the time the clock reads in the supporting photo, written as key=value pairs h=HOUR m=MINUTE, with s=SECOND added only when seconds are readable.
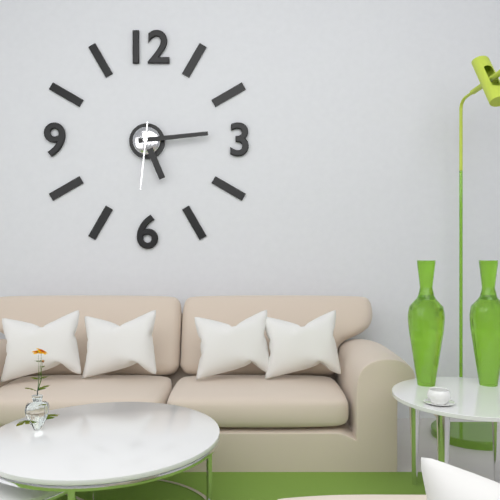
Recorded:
h=5 m=14 s=31
